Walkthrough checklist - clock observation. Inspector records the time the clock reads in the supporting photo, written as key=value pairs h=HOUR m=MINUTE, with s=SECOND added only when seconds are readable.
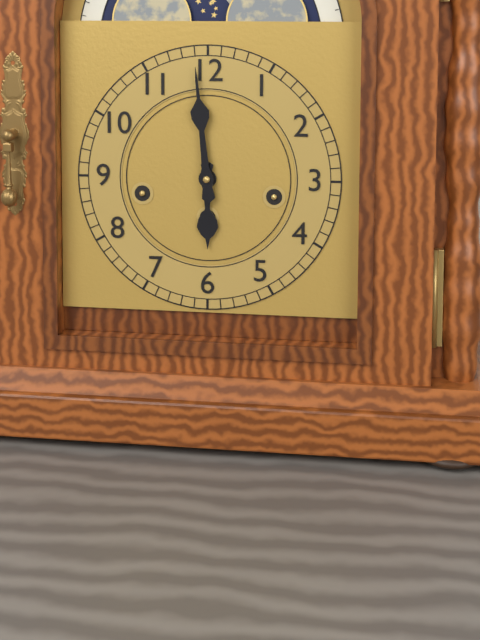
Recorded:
h=5 m=59
